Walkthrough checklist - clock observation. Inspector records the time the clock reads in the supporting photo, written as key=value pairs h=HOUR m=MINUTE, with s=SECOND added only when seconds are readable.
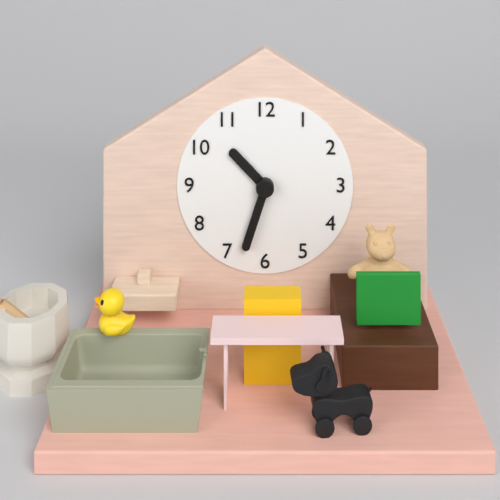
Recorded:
h=10 m=33
